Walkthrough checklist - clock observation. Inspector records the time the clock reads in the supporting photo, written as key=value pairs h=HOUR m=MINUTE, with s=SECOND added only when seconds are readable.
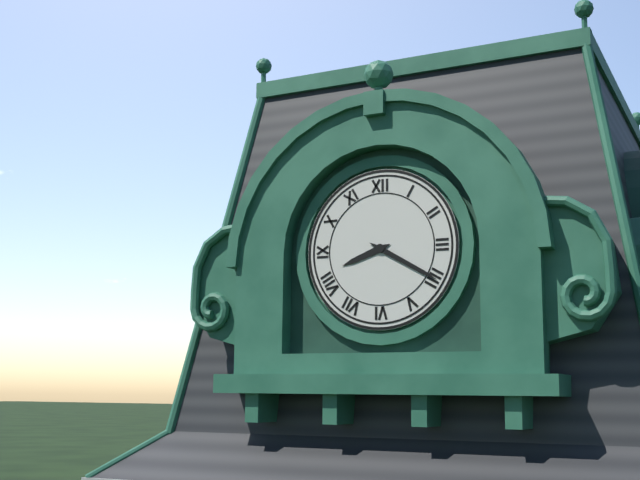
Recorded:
h=8 m=20
